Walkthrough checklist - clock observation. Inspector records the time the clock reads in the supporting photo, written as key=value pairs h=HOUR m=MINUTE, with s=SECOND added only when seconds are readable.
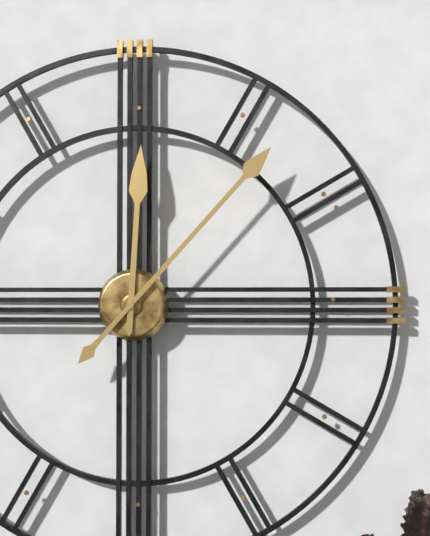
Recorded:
h=12 m=7
